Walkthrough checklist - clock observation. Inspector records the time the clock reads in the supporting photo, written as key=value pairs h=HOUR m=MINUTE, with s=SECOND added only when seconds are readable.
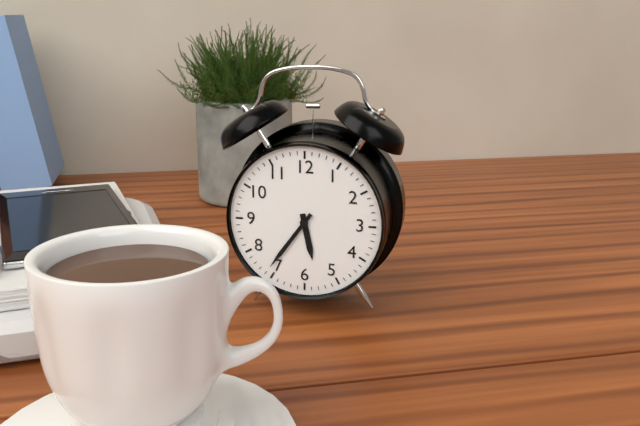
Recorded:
h=5 m=36
